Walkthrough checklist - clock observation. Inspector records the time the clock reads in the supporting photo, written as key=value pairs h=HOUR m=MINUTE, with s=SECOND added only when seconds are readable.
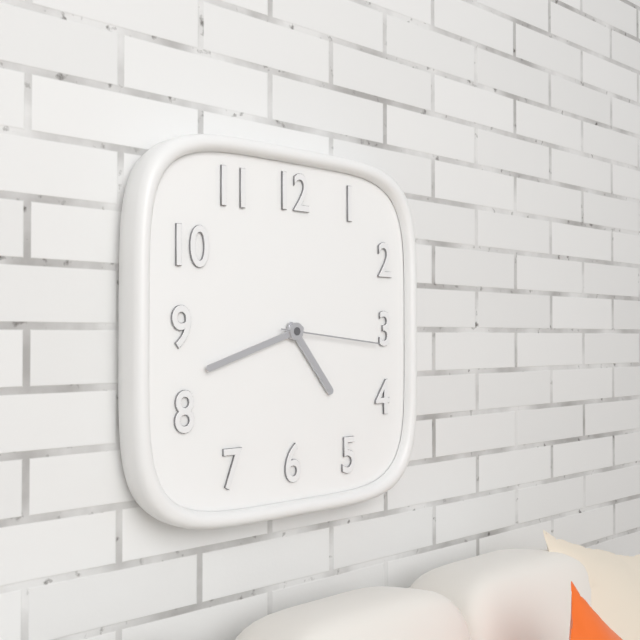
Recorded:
h=4 m=42 s=16
